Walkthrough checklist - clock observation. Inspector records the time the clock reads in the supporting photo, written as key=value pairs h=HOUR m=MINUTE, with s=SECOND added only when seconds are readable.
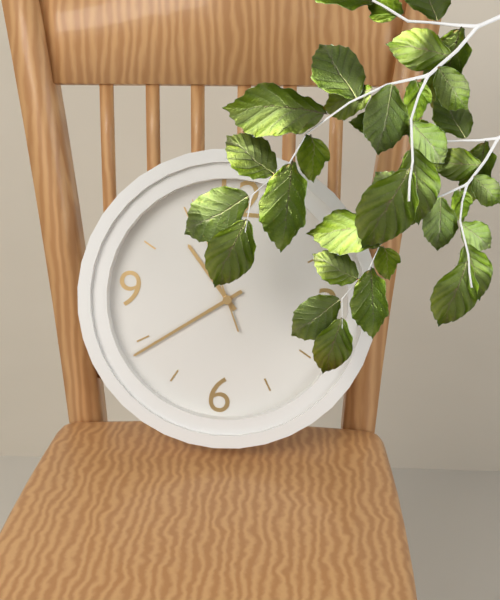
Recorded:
h=10 m=39 s=56
